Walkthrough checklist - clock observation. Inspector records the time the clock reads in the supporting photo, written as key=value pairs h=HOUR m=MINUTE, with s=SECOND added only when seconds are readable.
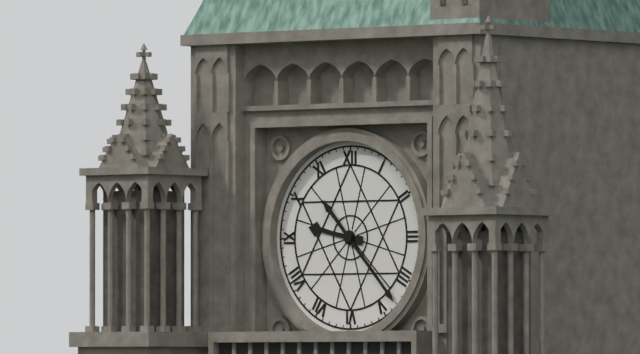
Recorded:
h=9 m=23
